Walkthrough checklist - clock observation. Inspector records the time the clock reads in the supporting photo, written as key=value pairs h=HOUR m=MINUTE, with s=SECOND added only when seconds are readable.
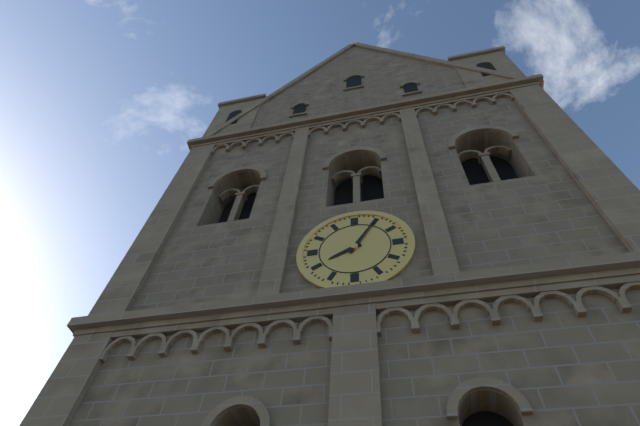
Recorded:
h=8 m=5
